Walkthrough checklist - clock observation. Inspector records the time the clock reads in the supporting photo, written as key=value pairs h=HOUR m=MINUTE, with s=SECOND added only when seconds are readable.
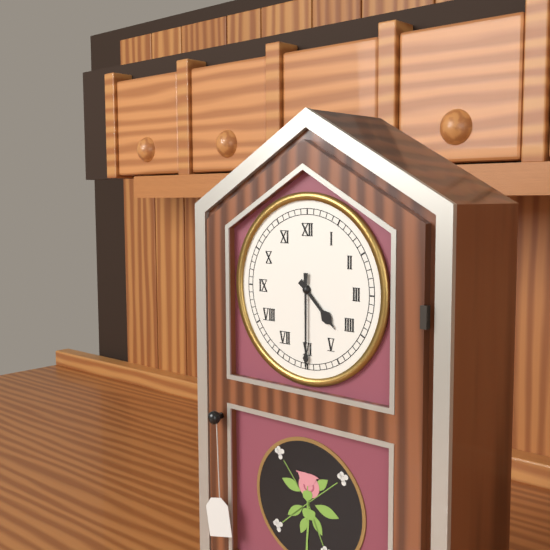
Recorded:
h=4 m=30
